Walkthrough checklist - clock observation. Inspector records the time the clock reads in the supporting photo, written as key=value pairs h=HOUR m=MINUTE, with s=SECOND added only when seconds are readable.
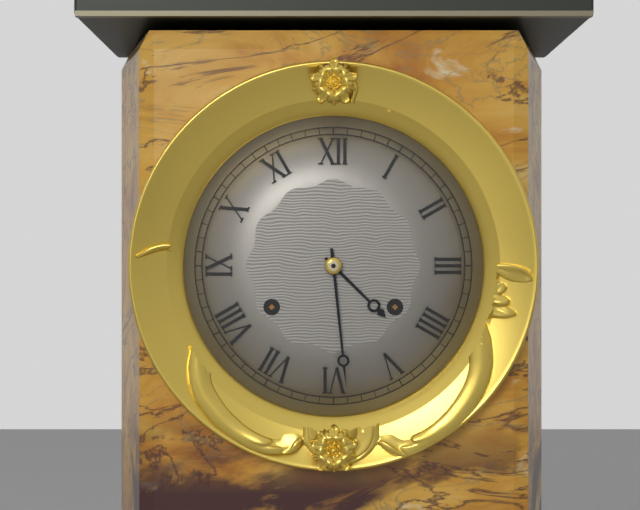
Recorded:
h=4 m=29
